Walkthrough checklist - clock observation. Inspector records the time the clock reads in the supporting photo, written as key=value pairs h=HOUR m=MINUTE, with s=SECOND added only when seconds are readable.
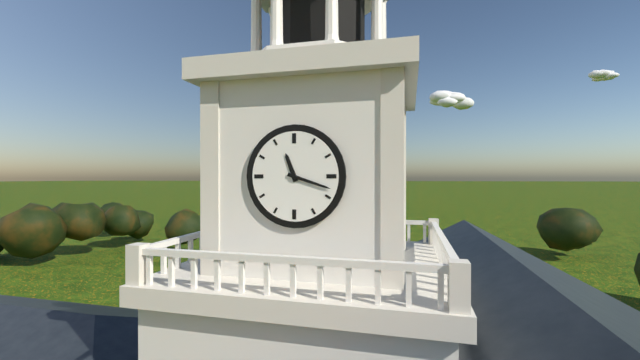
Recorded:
h=11 m=18
